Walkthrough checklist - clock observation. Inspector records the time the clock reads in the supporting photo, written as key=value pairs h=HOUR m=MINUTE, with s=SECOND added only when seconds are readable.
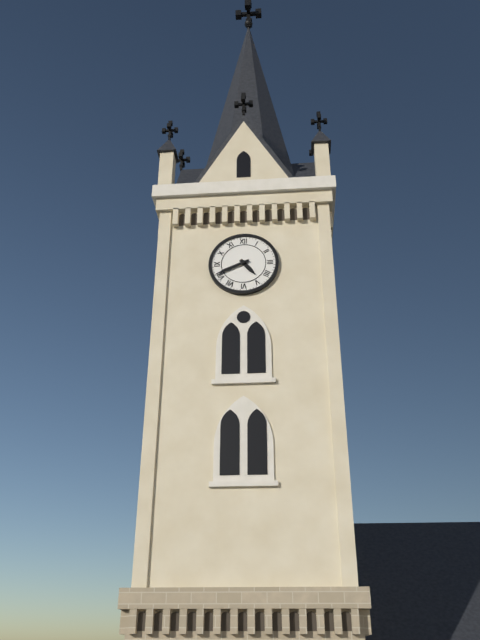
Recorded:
h=4 m=41
